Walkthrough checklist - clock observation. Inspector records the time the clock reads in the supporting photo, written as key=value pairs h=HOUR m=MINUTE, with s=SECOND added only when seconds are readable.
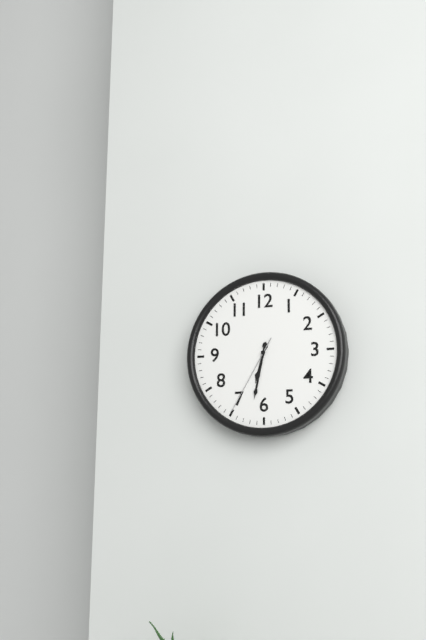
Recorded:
h=6 m=32 s=35
